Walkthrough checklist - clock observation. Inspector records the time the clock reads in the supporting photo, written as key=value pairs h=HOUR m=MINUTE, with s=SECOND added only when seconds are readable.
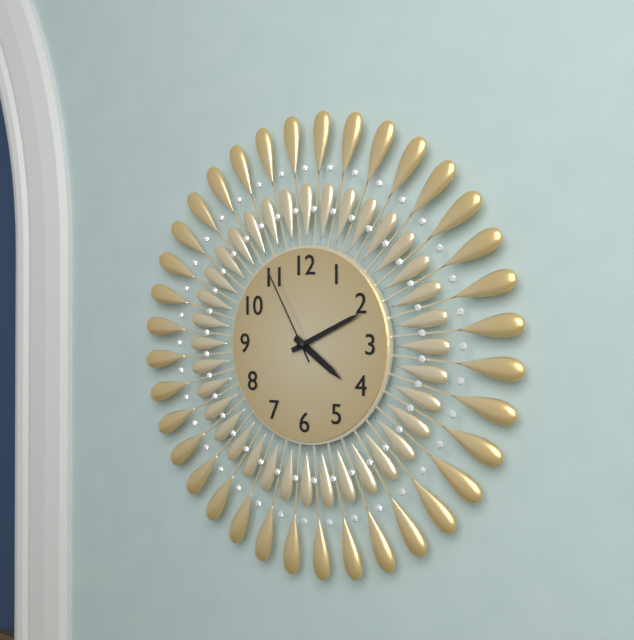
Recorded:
h=4 m=11 s=55
